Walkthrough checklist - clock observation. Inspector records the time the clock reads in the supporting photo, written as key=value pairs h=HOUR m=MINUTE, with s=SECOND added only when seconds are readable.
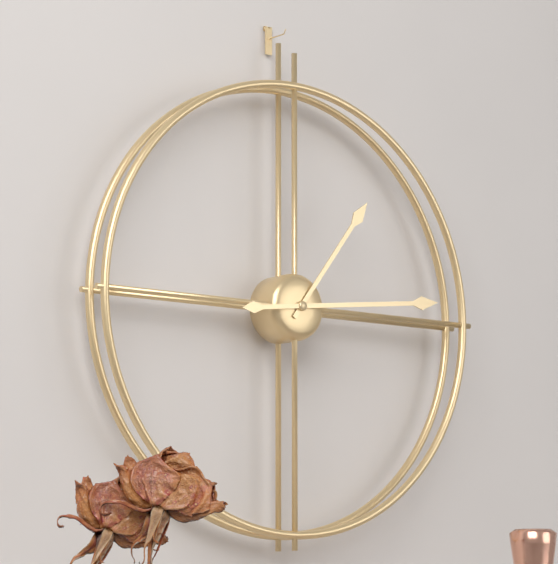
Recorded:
h=1 m=14
